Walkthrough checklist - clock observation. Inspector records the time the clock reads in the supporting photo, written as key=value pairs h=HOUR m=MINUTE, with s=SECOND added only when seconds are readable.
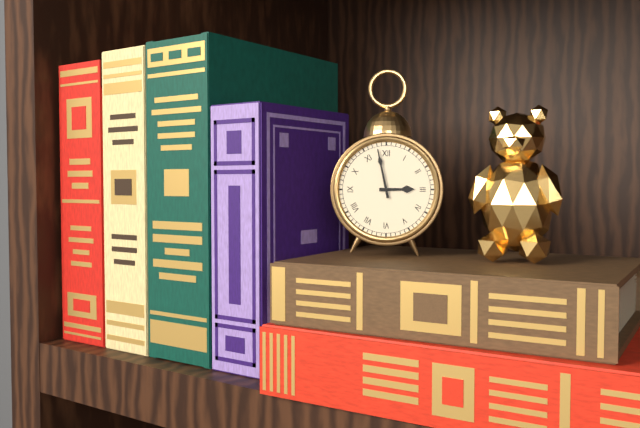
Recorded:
h=2 m=58
